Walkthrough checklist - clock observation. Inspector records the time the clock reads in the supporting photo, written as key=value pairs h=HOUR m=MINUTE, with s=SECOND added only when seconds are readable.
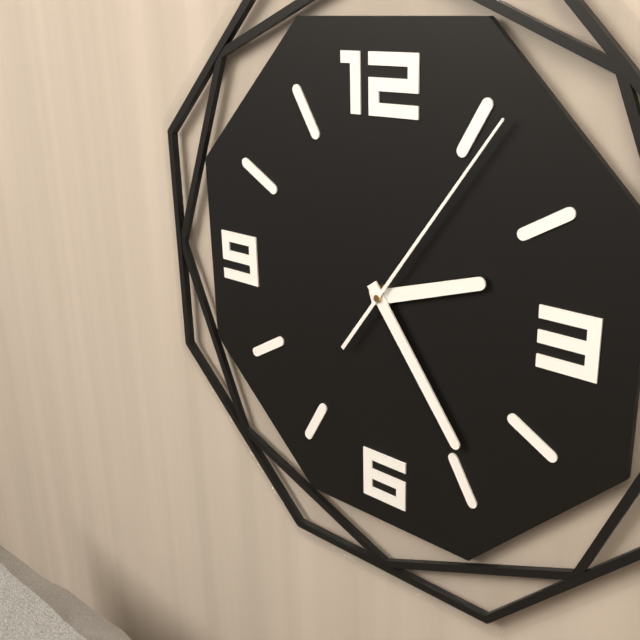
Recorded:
h=2 m=24 s=6
